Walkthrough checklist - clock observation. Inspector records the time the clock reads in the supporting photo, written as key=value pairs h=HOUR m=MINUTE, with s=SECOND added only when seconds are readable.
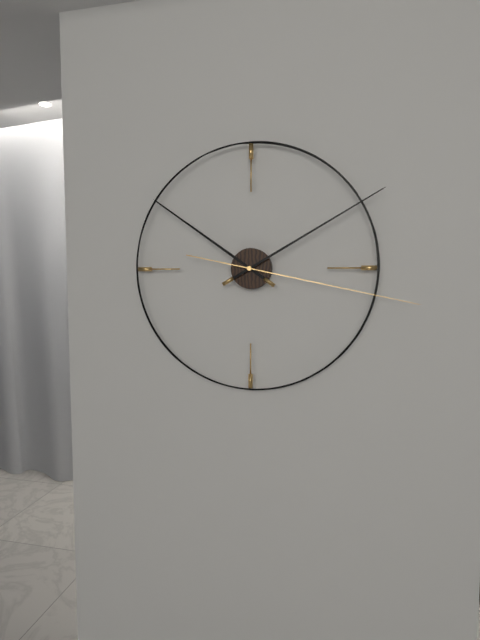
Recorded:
h=10 m=10 s=17
